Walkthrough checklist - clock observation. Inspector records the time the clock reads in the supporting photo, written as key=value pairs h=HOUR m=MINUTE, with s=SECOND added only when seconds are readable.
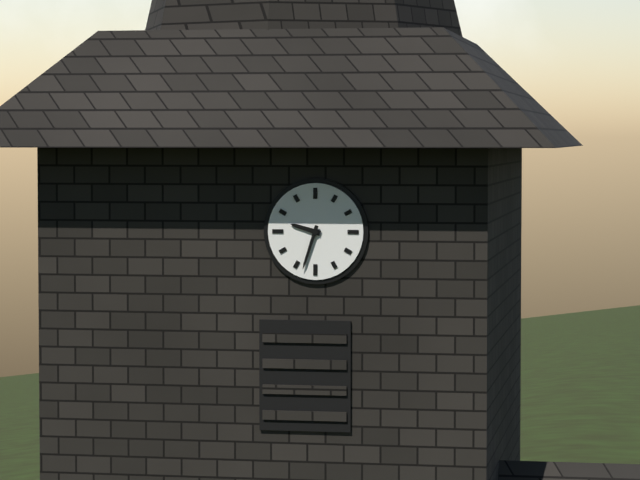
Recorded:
h=9 m=33
